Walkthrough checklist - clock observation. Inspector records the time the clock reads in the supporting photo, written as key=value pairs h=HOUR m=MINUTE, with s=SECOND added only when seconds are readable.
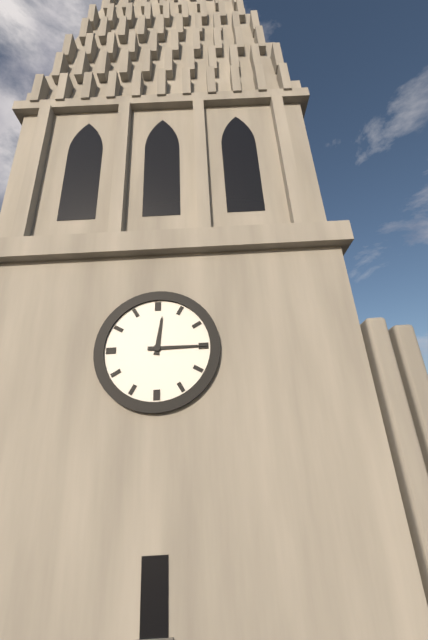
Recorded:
h=12 m=15
